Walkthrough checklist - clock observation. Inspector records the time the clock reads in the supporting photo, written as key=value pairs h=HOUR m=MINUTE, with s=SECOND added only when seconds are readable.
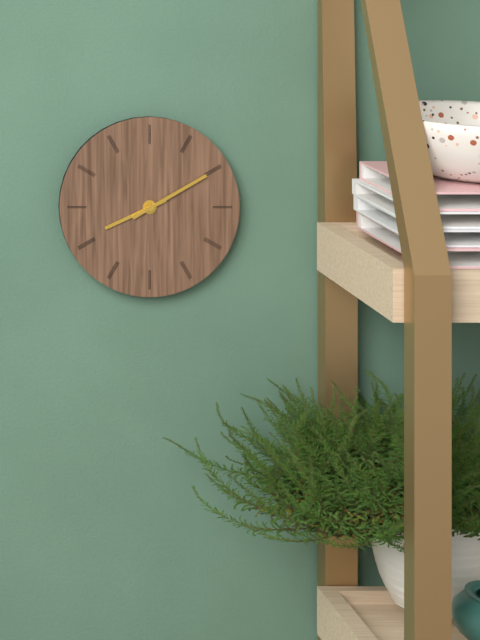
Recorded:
h=8 m=10
